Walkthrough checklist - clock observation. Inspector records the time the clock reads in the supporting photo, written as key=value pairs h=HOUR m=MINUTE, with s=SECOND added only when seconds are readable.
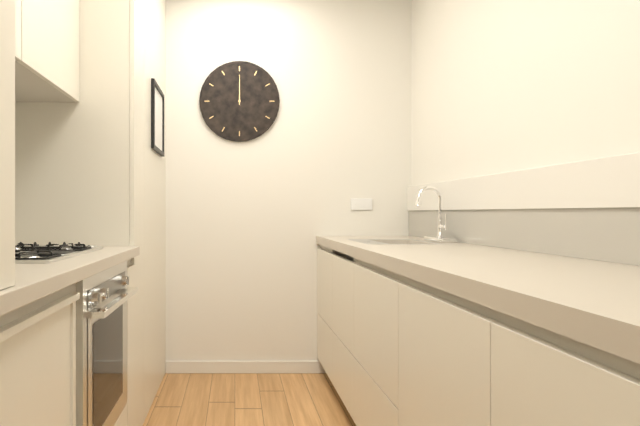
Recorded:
h=12 m=0
